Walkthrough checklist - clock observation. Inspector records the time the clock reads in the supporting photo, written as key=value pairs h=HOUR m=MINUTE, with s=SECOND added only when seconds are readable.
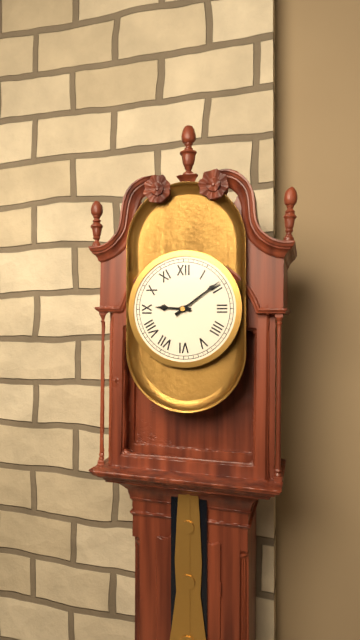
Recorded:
h=9 m=9
